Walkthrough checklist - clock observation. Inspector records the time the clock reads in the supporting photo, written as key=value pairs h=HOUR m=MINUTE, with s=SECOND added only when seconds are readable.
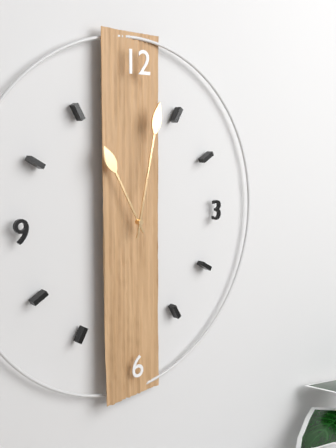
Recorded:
h=11 m=2
